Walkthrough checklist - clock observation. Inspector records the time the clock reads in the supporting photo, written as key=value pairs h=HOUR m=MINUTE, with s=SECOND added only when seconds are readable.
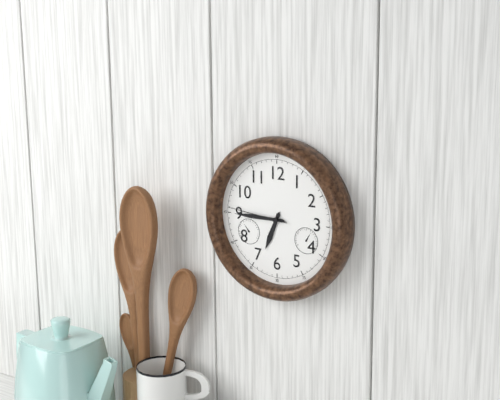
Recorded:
h=6 m=45 s=46
